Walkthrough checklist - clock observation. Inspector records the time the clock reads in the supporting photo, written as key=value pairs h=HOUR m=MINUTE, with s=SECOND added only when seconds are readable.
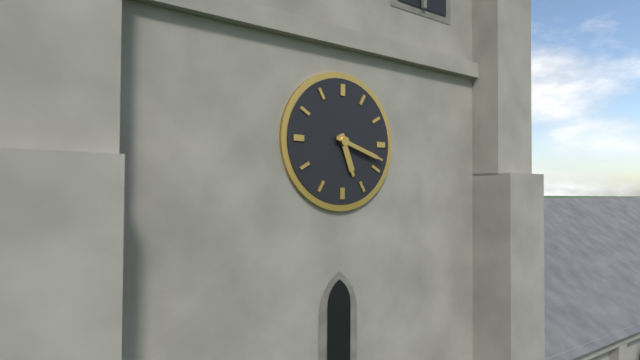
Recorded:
h=5 m=18
